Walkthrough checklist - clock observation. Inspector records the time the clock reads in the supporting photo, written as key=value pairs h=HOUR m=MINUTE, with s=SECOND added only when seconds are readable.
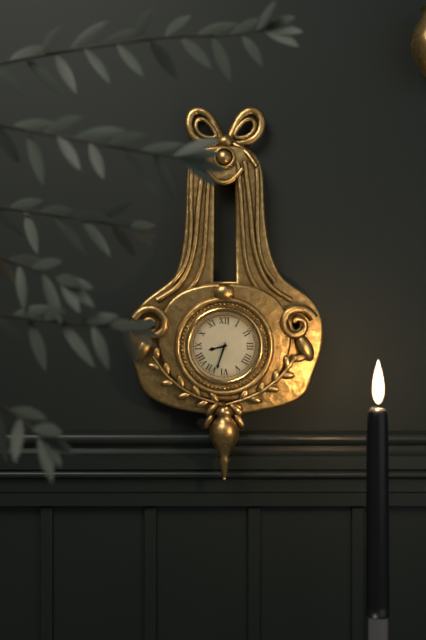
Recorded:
h=8 m=33
